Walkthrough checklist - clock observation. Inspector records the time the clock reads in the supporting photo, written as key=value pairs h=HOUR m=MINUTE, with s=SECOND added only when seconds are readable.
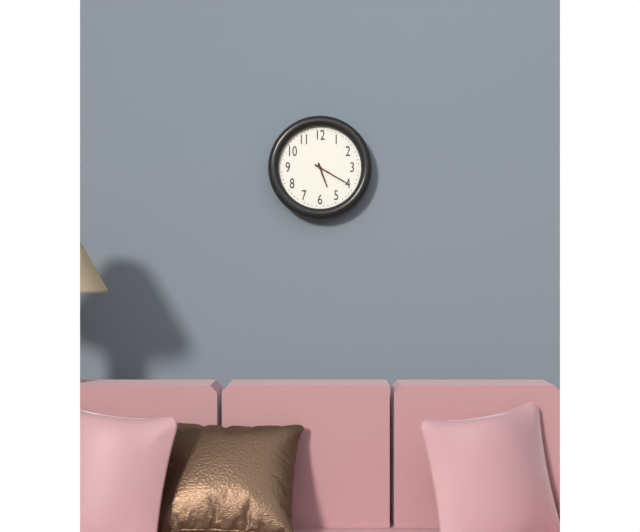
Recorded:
h=5 m=20
